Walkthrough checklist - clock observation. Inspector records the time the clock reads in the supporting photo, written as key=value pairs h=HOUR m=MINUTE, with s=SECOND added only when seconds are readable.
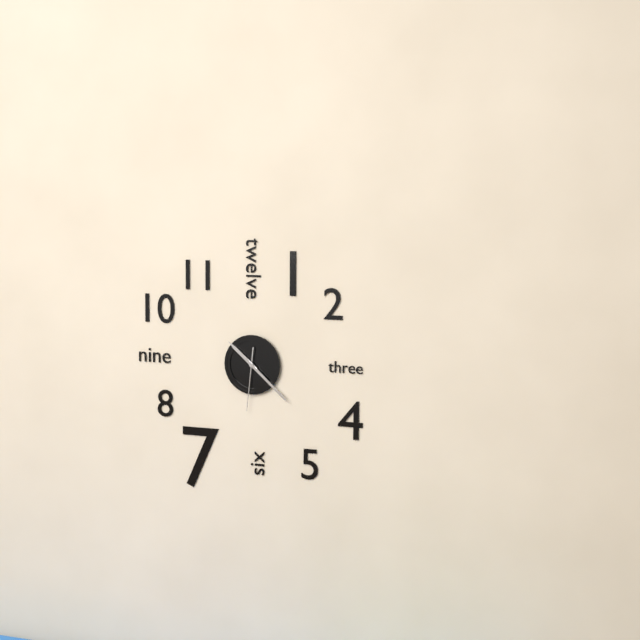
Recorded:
h=10 m=22 s=31
